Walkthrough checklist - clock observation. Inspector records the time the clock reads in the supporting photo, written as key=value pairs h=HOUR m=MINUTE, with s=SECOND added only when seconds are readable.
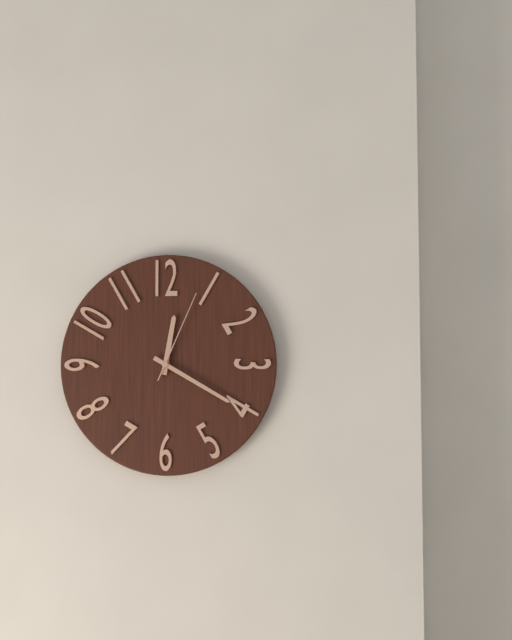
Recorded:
h=12 m=20 s=4
